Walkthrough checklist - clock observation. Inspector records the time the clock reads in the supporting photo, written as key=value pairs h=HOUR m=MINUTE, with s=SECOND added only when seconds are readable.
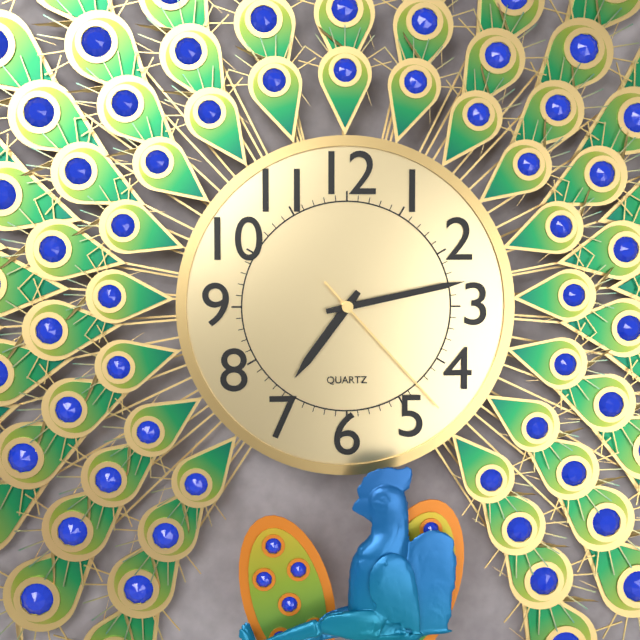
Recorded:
h=7 m=13 s=23
